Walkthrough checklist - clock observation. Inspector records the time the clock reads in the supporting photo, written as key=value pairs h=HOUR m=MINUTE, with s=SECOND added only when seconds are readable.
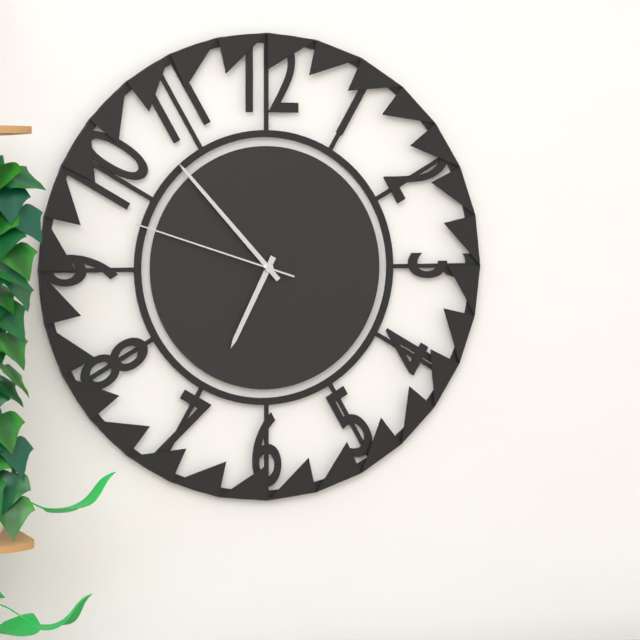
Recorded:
h=6 m=53 s=48
